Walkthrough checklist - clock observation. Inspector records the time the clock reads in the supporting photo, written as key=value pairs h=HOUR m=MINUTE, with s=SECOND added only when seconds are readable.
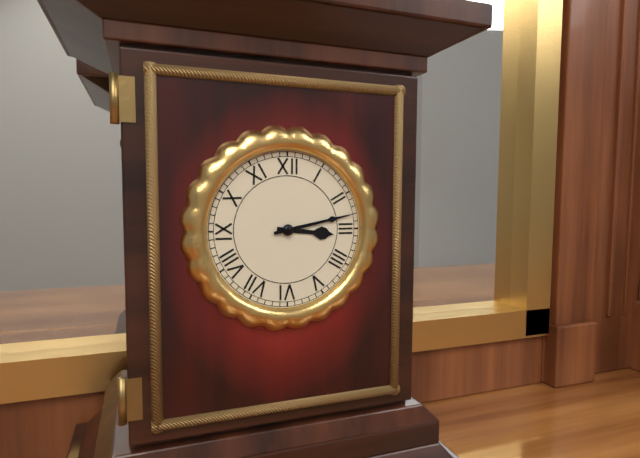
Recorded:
h=3 m=13
